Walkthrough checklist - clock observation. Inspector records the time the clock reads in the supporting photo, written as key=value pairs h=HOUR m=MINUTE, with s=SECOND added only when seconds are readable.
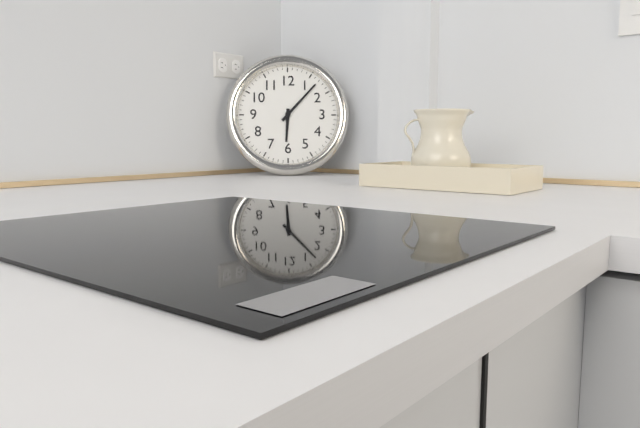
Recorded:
h=6 m=7
